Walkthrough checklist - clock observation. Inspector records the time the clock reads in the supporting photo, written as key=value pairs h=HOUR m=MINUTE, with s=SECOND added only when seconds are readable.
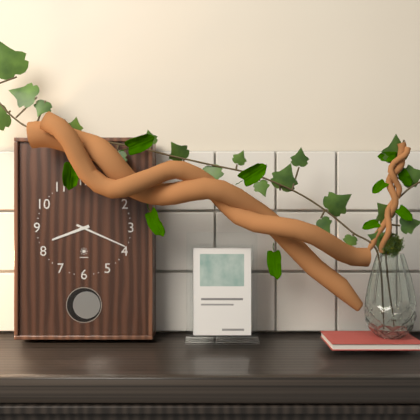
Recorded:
h=8 m=19
